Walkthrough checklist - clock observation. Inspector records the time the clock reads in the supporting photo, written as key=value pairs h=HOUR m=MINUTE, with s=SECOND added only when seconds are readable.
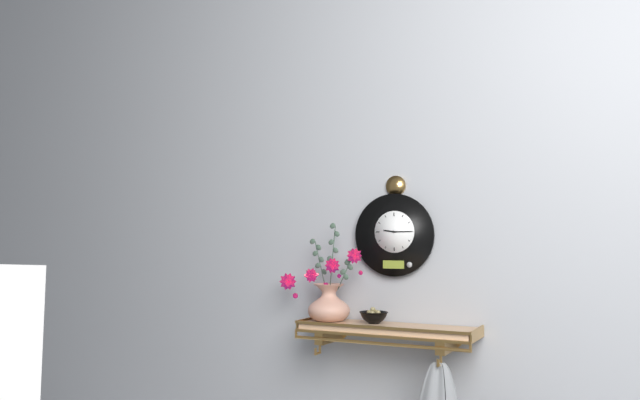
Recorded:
h=9 m=15
